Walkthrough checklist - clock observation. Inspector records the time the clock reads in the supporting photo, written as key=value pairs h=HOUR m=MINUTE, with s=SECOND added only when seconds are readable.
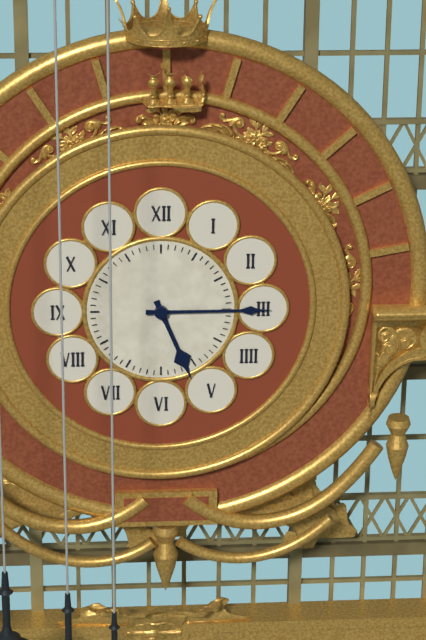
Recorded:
h=5 m=15
